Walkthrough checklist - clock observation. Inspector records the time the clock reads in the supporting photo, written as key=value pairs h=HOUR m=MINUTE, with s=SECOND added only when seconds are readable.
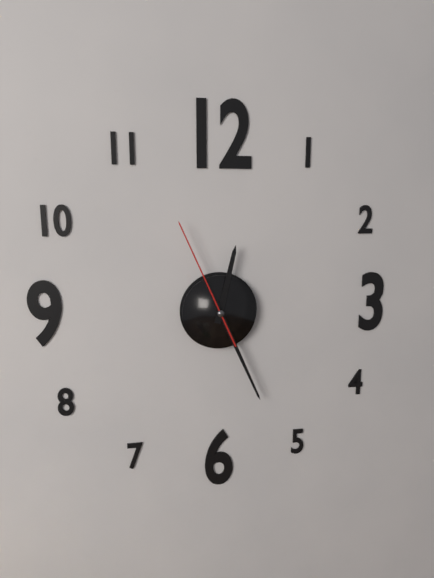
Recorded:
h=12 m=26 s=56
